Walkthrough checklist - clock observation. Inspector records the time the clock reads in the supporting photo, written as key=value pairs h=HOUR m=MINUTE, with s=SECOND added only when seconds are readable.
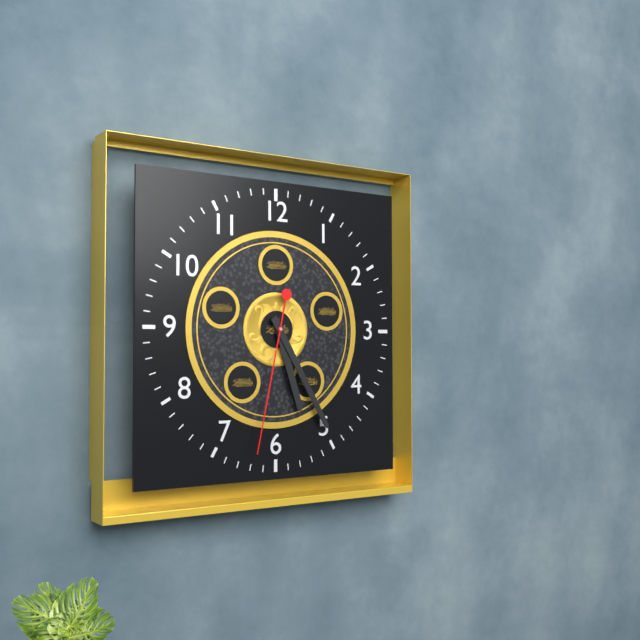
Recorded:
h=5 m=25 s=32
